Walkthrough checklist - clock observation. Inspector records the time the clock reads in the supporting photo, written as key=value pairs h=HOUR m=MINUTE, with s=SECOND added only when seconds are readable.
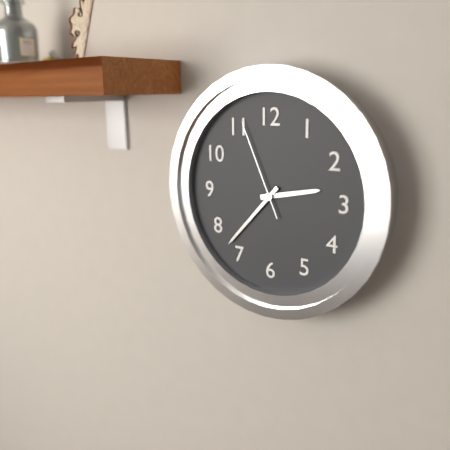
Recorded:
h=2 m=37 s=56
